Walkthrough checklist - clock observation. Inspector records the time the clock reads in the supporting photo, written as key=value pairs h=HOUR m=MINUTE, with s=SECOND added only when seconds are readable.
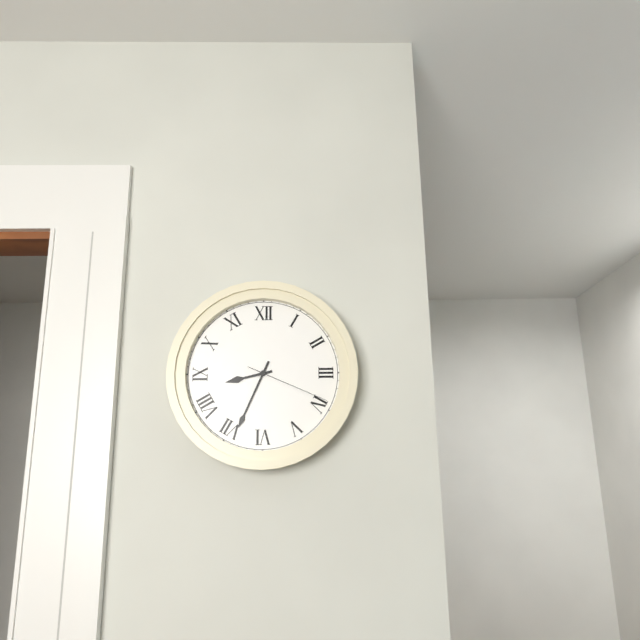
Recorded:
h=8 m=34 s=19
